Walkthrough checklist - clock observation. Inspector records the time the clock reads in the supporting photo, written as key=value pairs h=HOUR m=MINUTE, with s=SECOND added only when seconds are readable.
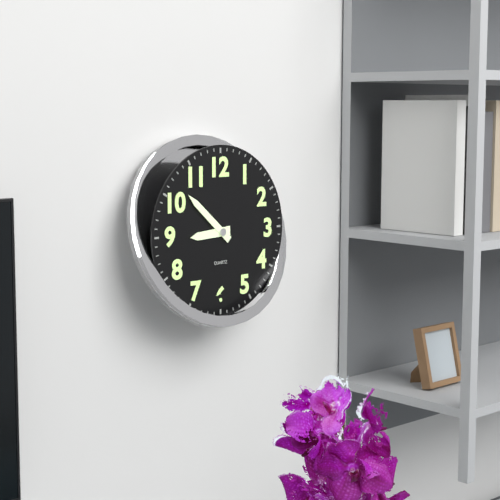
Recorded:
h=8 m=52
